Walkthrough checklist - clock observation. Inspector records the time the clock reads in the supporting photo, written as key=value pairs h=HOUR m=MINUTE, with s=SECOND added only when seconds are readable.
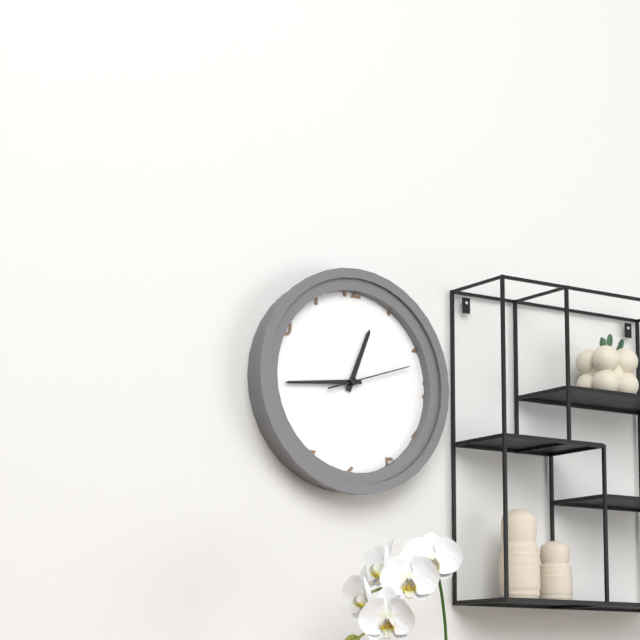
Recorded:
h=12 m=44 s=12
